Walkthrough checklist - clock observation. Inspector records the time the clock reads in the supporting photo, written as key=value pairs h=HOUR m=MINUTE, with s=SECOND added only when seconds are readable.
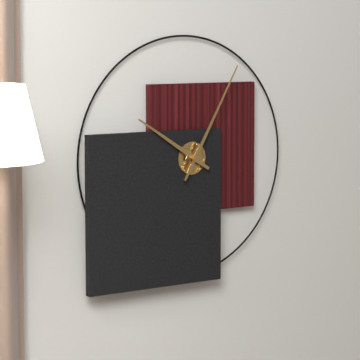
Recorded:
h=10 m=5
